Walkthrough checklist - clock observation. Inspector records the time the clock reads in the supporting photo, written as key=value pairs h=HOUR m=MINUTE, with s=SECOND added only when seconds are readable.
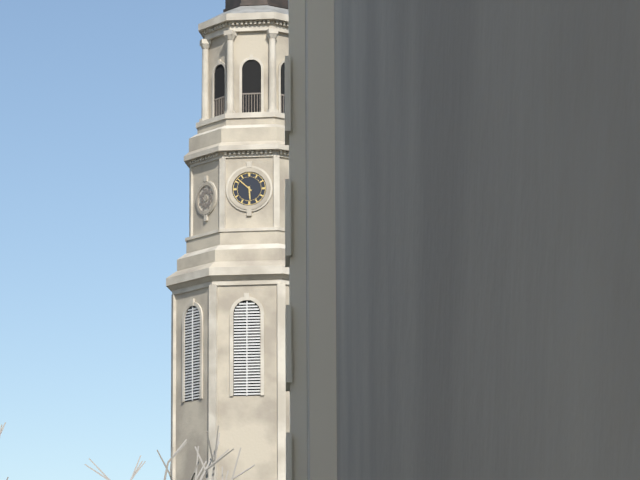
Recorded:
h=5 m=52
